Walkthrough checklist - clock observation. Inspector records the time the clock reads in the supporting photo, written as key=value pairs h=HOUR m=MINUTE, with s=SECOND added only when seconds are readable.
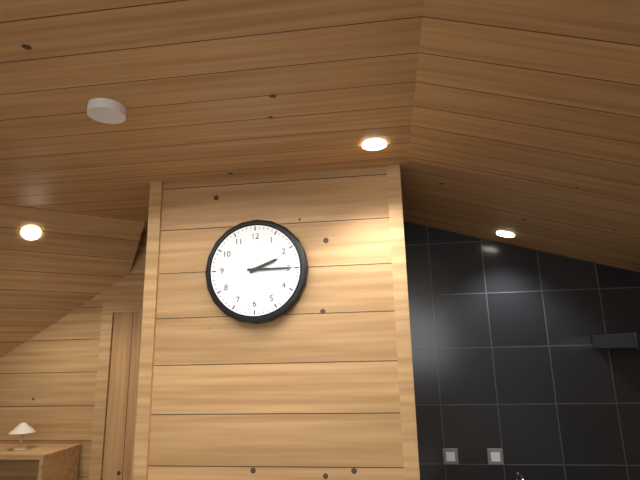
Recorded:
h=2 m=15
